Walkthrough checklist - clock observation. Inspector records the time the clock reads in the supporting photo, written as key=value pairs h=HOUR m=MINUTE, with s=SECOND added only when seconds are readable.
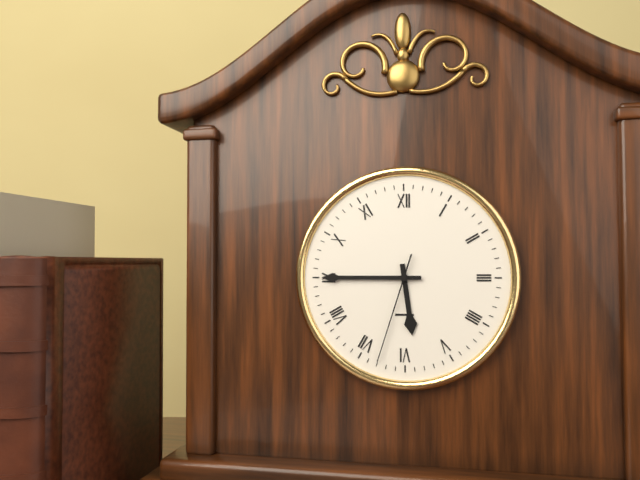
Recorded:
h=5 m=45 s=33
